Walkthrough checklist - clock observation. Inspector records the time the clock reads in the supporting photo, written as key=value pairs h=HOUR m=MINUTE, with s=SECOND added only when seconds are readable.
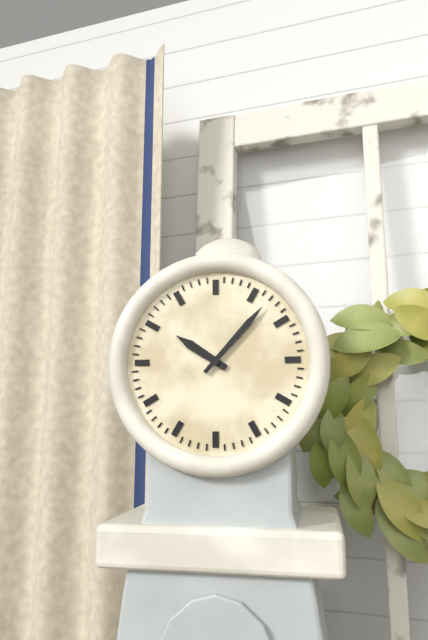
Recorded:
h=10 m=7
